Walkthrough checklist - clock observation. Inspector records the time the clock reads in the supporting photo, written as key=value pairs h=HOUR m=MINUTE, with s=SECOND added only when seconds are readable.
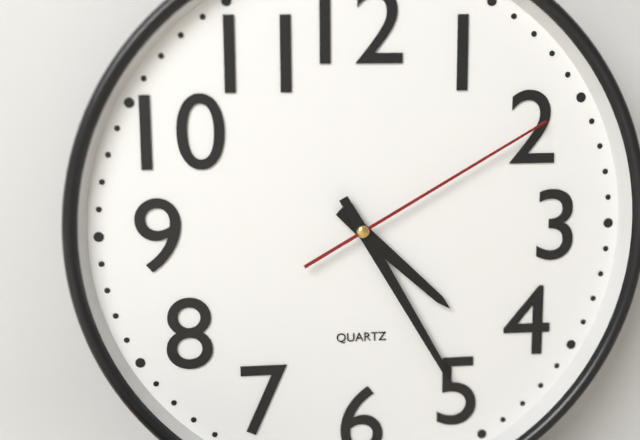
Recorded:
h=4 m=25 s=10
